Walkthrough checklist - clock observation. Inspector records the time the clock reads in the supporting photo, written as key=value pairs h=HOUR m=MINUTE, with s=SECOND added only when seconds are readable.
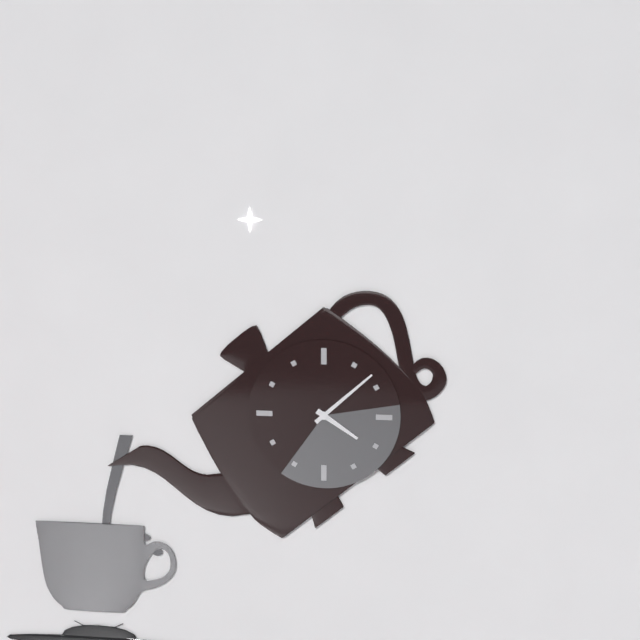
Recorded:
h=4 m=8
